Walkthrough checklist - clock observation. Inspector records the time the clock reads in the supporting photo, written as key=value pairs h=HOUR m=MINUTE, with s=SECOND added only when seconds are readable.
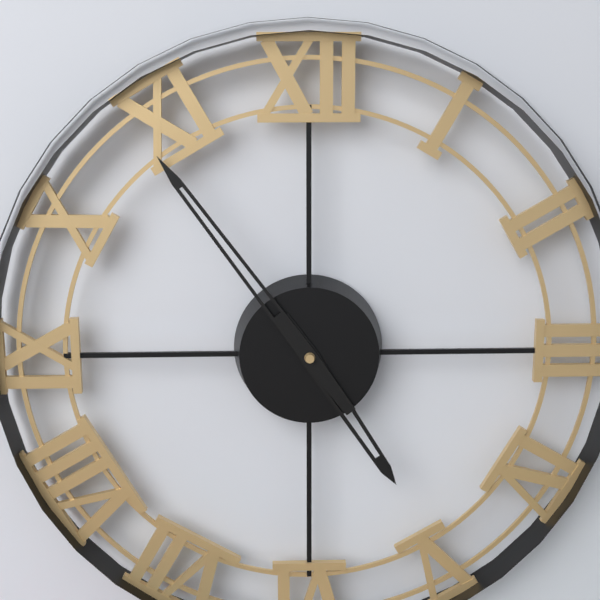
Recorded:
h=4 m=54
